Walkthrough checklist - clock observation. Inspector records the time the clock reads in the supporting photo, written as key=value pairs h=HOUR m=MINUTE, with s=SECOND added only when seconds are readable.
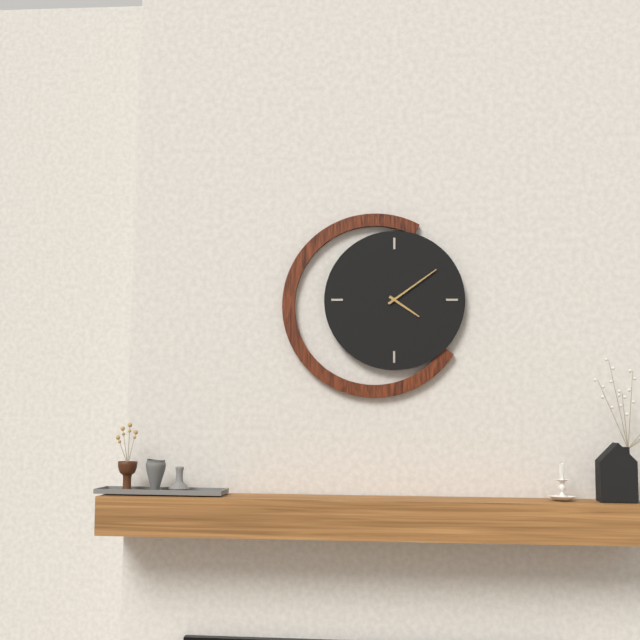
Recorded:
h=4 m=9
